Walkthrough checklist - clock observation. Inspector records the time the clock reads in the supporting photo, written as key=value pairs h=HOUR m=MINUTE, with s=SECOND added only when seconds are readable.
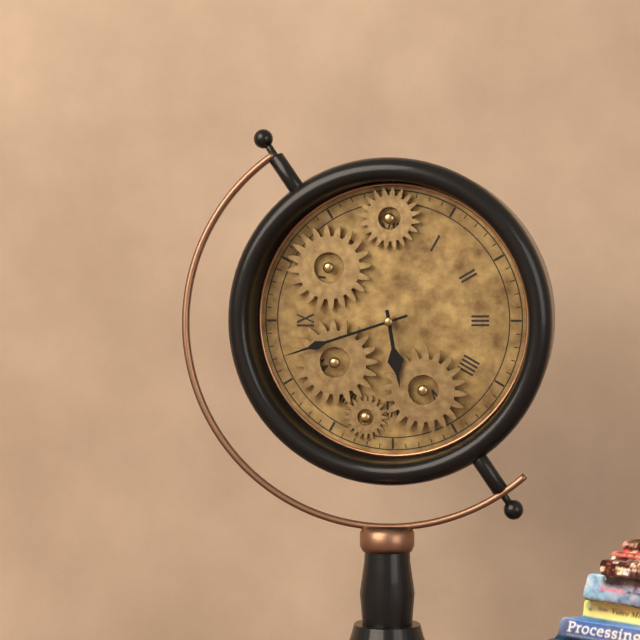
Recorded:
h=5 m=42
